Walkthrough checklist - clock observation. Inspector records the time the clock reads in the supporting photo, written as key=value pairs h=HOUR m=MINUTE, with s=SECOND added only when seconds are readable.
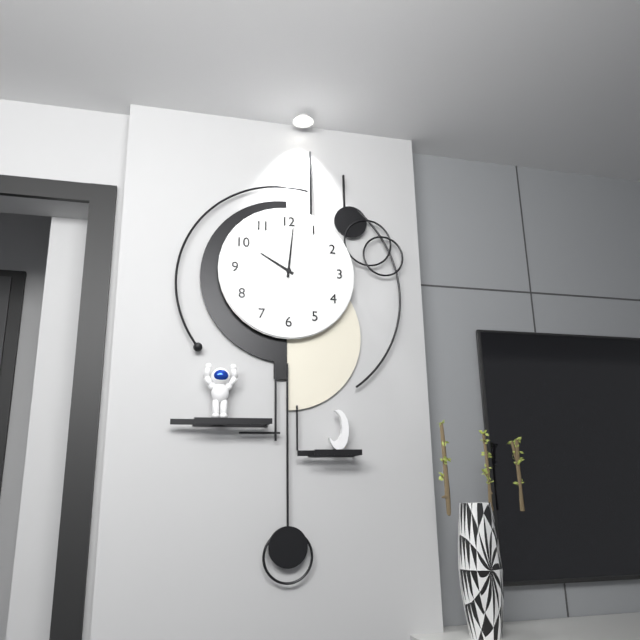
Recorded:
h=10 m=1
